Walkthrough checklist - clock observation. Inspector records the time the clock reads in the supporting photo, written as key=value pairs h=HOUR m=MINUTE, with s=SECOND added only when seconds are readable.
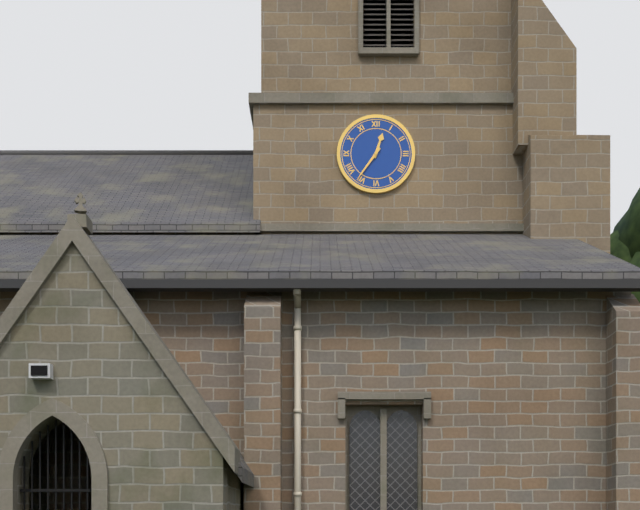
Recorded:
h=12 m=36
